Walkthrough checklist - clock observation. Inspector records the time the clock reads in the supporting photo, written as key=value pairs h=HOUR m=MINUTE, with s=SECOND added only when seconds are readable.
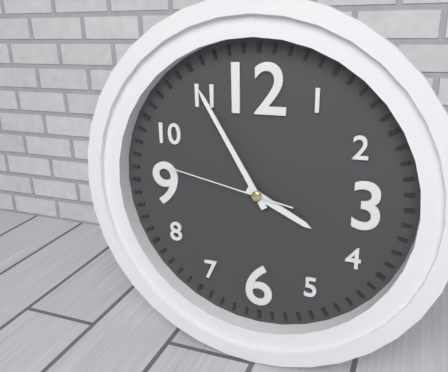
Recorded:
h=3 m=55 s=47
